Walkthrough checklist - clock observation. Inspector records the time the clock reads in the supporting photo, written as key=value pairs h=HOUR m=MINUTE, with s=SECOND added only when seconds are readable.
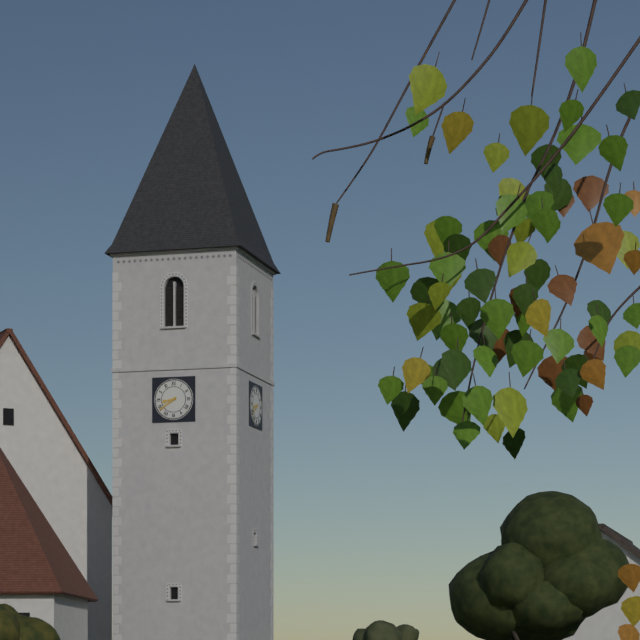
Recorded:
h=8 m=39
